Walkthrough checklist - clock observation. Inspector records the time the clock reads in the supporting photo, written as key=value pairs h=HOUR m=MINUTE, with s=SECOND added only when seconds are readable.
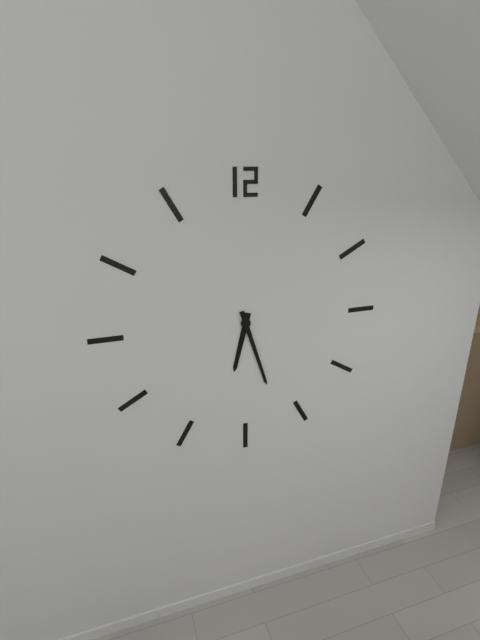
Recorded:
h=6 m=27
